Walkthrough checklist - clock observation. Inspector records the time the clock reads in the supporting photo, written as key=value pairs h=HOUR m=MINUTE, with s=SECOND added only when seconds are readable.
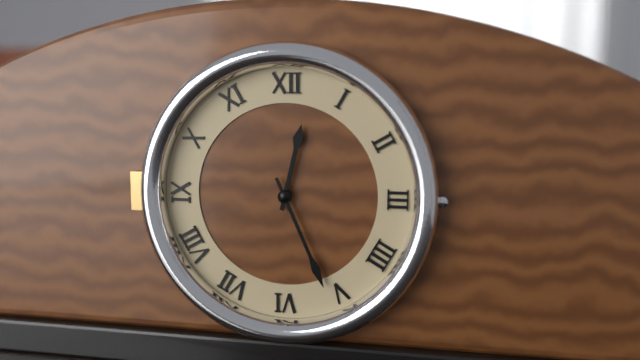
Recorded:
h=12 m=26
